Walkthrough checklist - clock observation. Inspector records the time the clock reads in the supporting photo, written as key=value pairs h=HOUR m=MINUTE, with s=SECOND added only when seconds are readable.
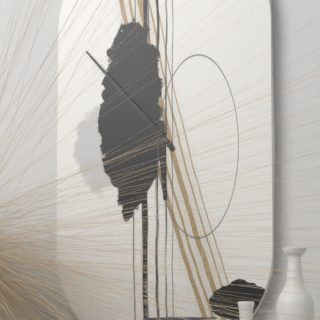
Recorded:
h=5 m=53
